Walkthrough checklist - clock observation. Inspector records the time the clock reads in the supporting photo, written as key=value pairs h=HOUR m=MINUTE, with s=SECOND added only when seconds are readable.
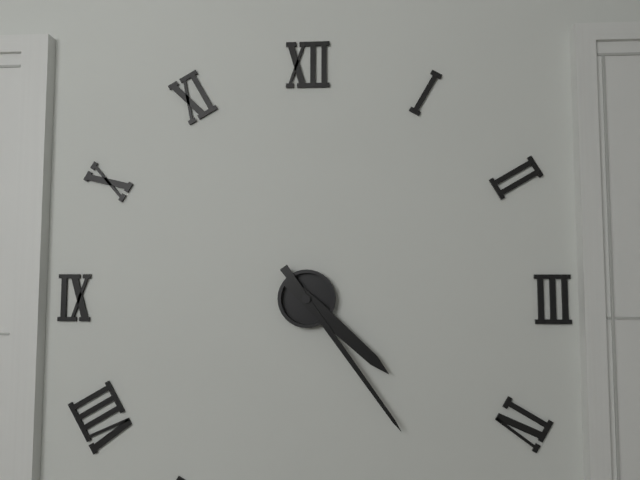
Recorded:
h=4 m=24
